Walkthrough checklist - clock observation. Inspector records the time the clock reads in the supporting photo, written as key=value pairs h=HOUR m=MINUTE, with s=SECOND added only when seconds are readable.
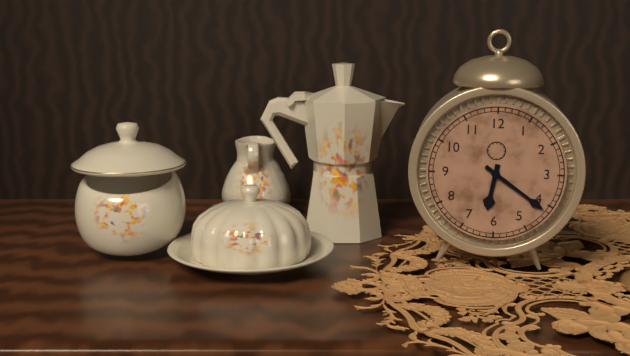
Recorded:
h=6 m=21
